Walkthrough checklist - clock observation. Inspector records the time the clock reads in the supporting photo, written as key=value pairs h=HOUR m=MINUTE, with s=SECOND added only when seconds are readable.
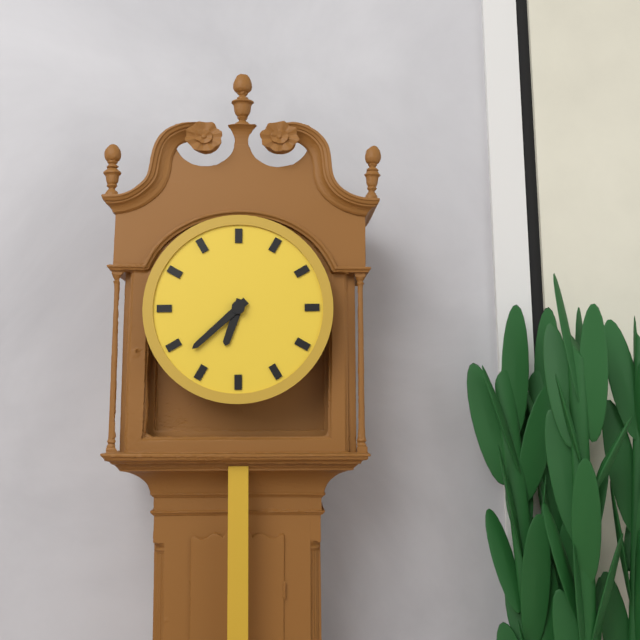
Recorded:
h=6 m=38
